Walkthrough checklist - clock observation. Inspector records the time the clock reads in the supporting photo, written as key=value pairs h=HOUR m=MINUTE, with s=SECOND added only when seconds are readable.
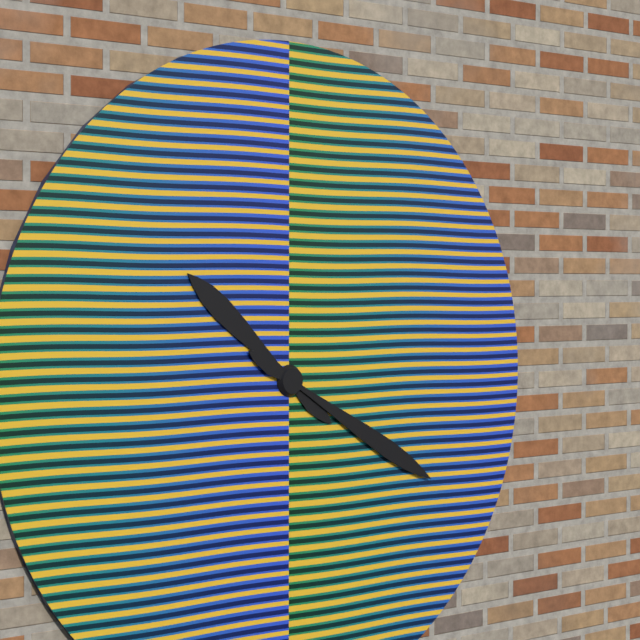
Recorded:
h=10 m=20
